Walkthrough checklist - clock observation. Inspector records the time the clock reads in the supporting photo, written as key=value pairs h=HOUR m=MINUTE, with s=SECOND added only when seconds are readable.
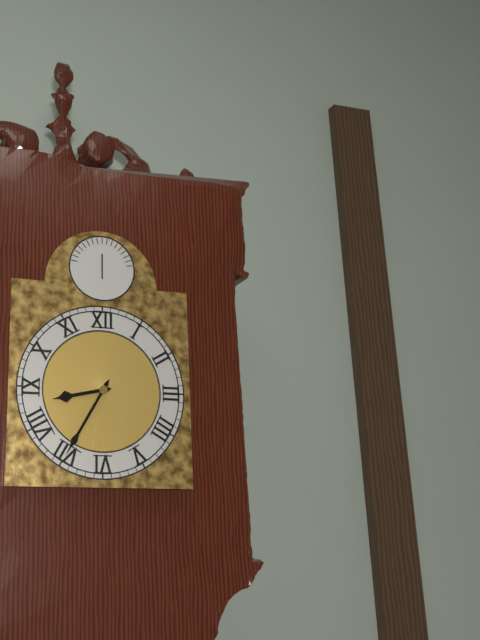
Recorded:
h=8 m=35
